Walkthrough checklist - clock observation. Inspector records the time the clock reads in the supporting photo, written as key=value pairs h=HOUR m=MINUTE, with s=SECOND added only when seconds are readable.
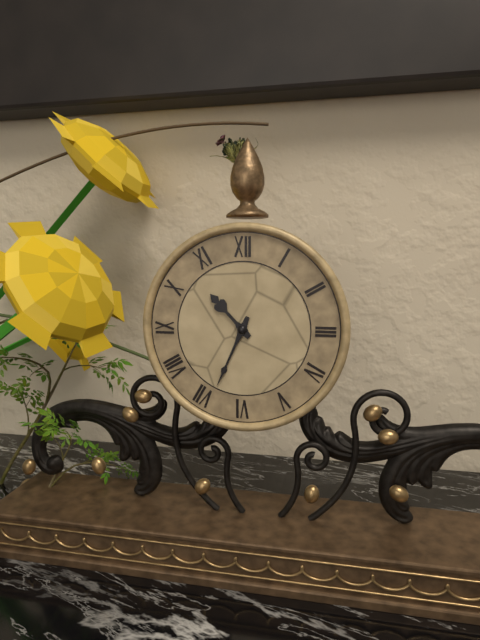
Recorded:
h=10 m=34
